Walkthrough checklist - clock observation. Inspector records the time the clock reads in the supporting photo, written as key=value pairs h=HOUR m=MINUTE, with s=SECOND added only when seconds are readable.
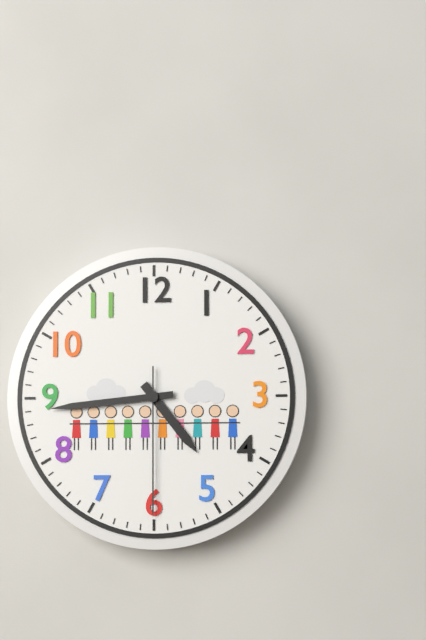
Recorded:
h=4 m=44 s=30
